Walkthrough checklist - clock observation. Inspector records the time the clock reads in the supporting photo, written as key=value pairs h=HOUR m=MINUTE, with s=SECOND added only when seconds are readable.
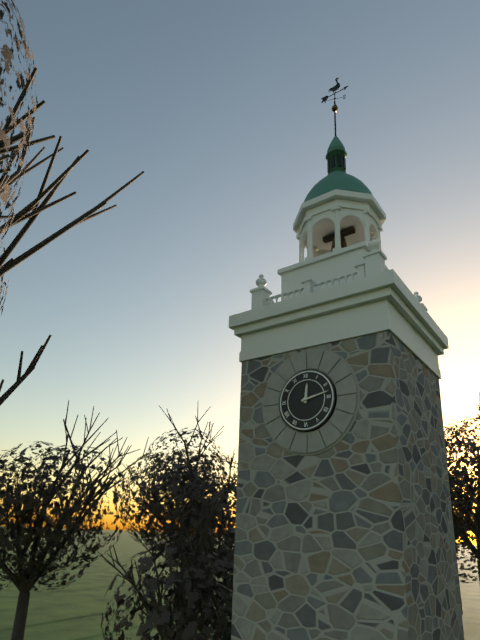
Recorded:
h=12 m=13
